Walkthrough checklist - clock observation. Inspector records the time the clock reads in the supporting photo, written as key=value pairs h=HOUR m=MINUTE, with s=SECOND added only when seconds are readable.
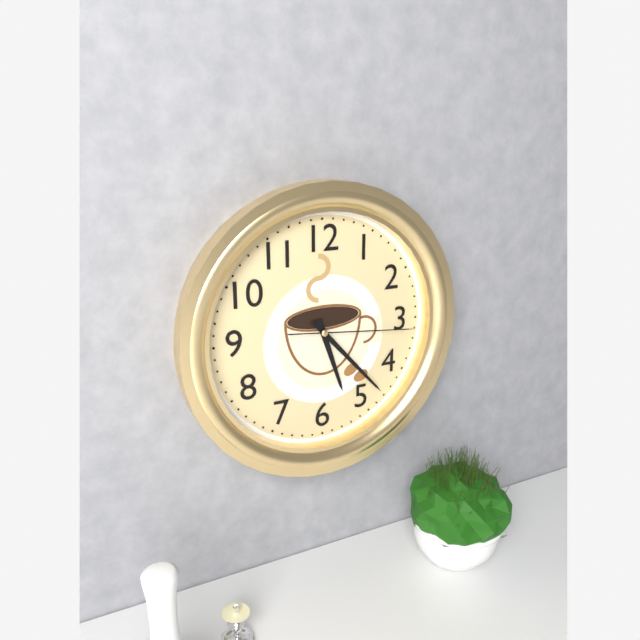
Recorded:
h=5 m=23 s=16
